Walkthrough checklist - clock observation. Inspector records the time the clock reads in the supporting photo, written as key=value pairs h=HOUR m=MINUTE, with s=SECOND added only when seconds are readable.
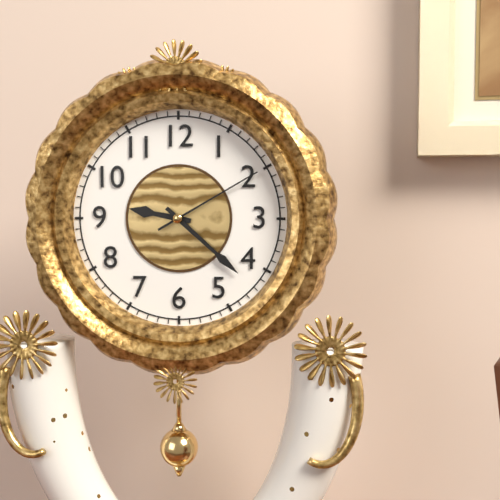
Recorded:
h=9 m=22 s=10
